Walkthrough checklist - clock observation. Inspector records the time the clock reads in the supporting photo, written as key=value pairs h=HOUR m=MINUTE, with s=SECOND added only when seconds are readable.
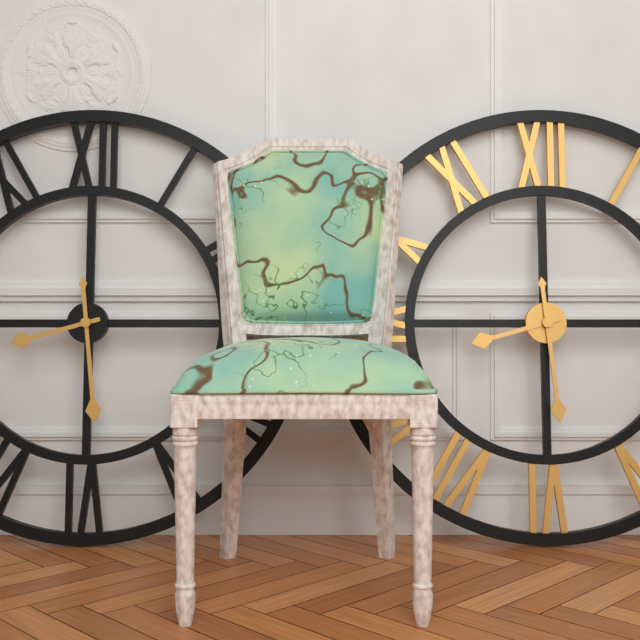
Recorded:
h=8 m=29
